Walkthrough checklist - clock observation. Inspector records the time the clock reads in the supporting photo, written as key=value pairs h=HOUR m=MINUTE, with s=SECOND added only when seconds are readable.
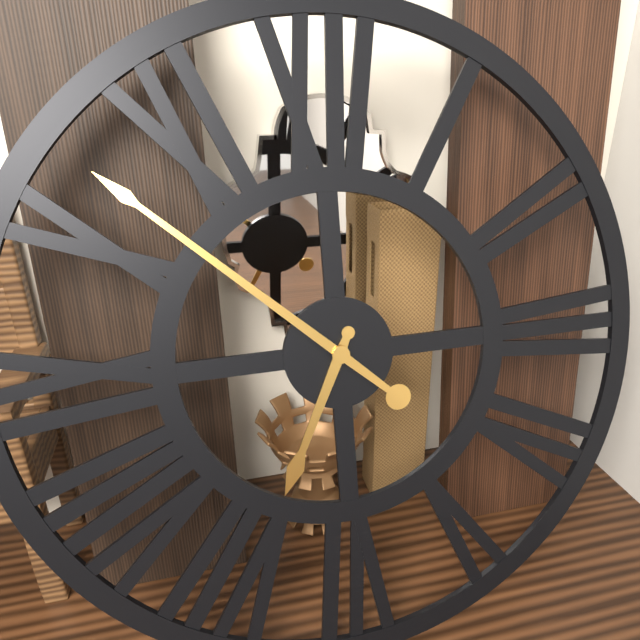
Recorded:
h=6 m=52
